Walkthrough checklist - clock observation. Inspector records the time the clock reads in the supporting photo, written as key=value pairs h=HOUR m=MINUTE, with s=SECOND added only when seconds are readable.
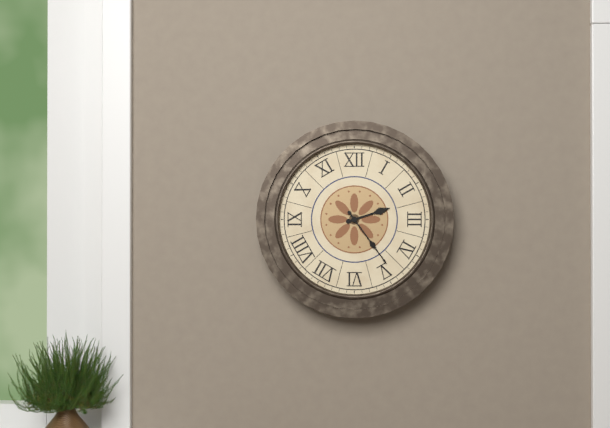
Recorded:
h=2 m=24
